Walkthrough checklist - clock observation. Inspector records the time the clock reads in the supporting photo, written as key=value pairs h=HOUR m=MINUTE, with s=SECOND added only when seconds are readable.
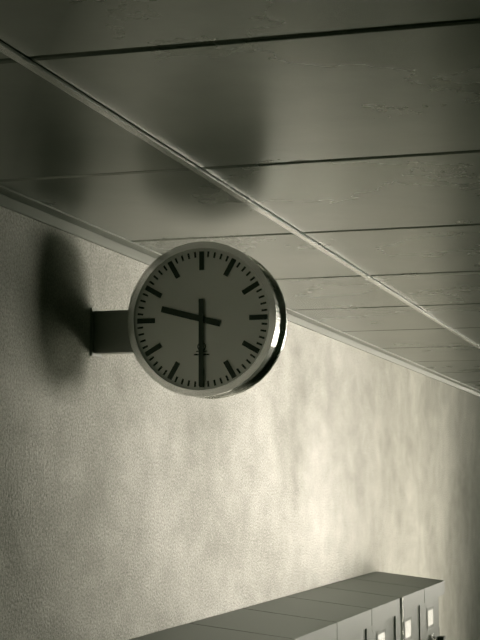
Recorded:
h=9 m=30
